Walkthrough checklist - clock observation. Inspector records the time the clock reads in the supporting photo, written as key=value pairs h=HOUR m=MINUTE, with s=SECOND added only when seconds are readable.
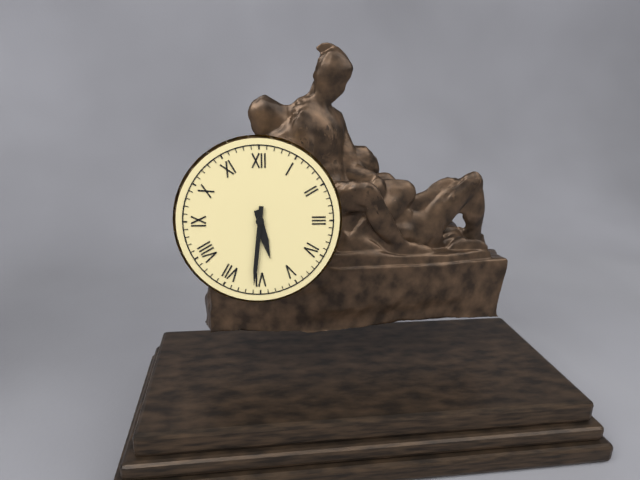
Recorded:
h=5 m=31
